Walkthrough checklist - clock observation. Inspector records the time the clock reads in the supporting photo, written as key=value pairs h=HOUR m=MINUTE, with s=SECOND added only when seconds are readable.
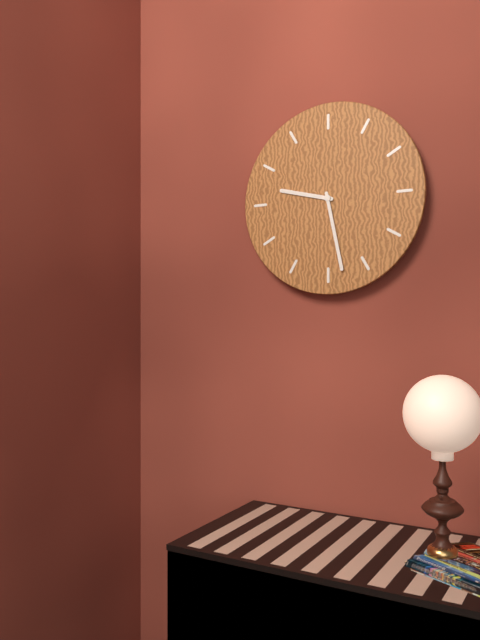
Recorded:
h=9 m=28
